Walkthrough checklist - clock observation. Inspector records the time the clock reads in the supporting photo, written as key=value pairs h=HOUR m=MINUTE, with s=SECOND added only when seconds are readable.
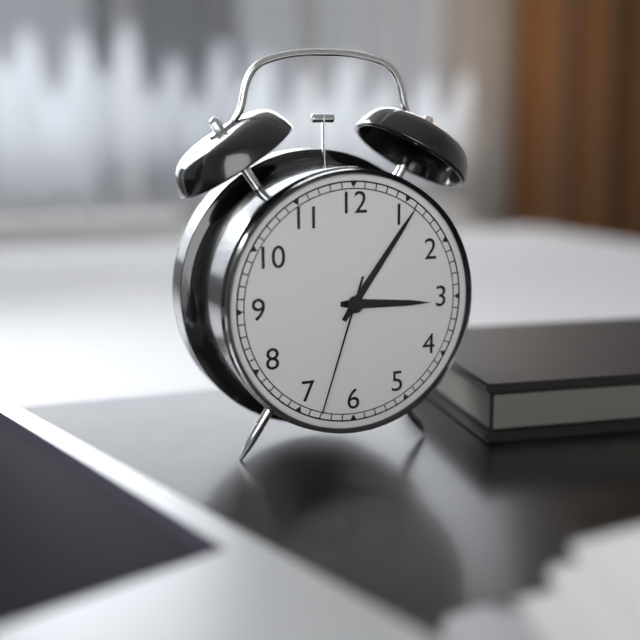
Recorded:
h=3 m=6 s=33
